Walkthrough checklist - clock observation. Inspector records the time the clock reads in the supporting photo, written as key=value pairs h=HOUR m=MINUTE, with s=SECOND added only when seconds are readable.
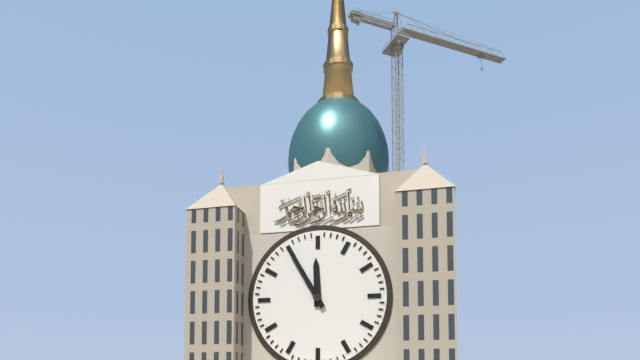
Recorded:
h=11 m=55
